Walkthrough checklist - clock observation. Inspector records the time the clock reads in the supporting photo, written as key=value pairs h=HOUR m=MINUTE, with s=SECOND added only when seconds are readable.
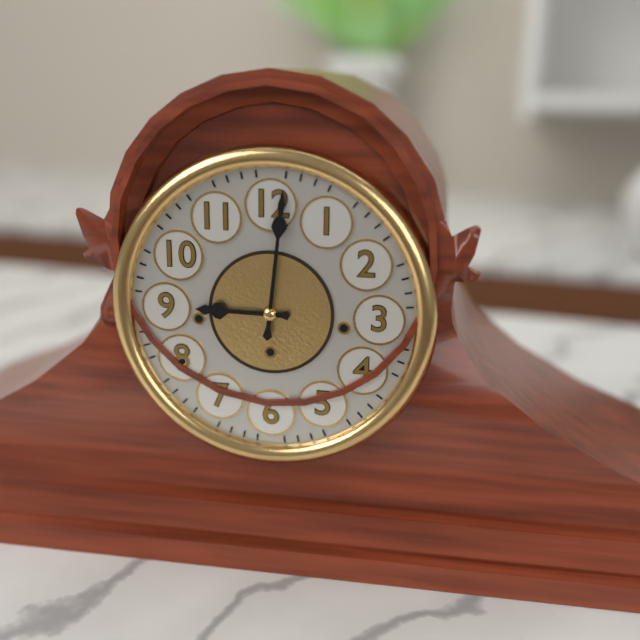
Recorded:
h=9 m=1
